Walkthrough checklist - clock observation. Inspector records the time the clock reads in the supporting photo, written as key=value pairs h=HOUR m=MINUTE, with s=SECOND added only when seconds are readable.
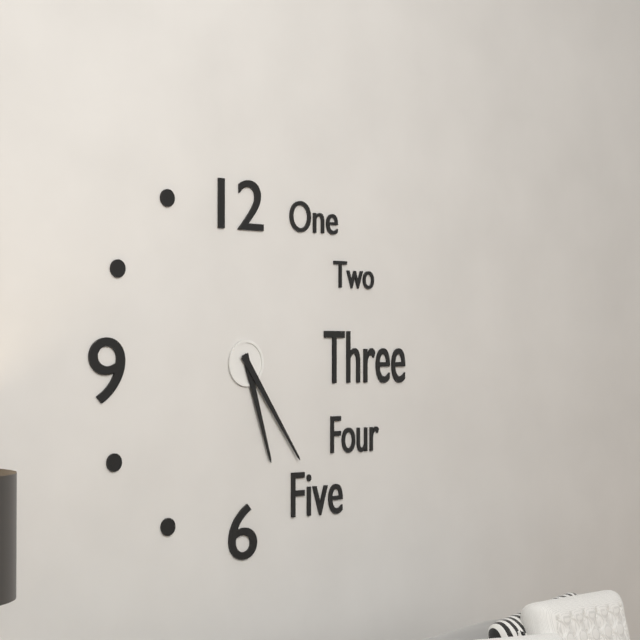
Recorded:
h=5 m=24
